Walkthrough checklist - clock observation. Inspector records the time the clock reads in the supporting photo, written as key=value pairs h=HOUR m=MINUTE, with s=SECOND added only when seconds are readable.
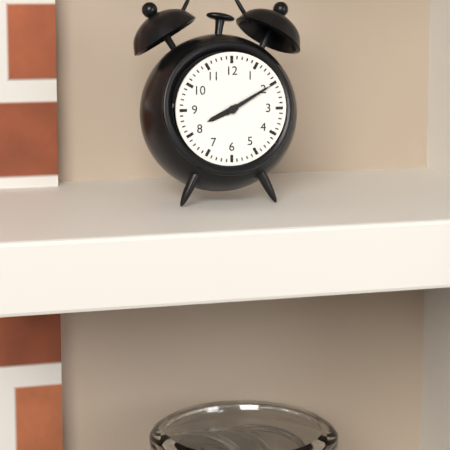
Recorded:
h=8 m=10
